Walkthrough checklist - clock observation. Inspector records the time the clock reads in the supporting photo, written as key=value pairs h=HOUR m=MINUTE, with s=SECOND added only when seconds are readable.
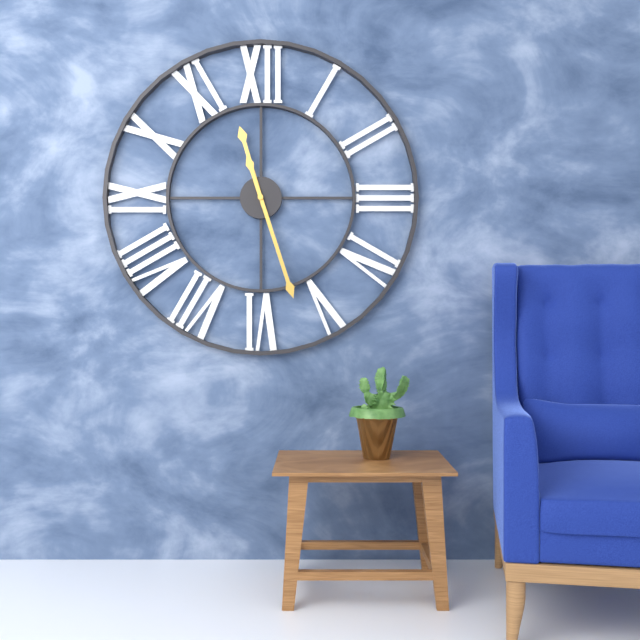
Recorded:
h=11 m=27
